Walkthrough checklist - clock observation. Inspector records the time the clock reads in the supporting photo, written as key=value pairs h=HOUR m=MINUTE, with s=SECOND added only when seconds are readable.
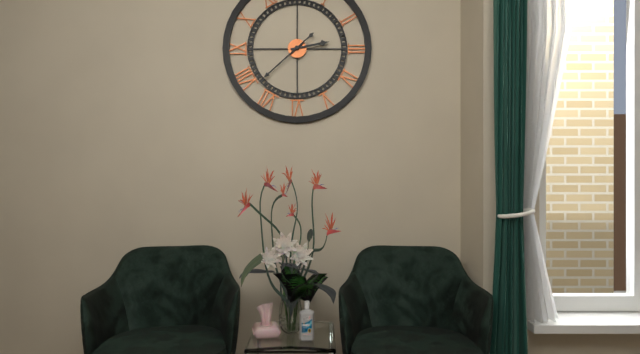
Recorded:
h=2 m=38
